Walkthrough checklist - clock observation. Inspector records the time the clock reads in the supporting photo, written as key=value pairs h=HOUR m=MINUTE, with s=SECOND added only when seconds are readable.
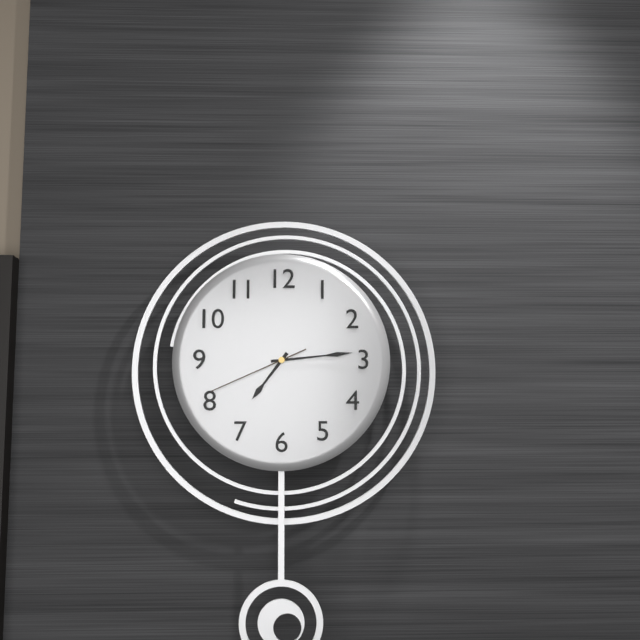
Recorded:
h=7 m=14 s=41
